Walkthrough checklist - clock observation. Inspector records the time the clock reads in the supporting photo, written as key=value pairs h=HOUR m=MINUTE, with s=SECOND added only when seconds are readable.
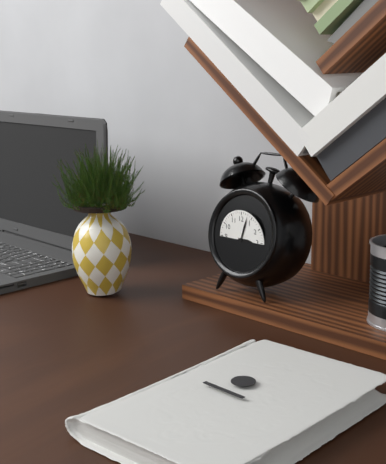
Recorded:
h=3 m=3
